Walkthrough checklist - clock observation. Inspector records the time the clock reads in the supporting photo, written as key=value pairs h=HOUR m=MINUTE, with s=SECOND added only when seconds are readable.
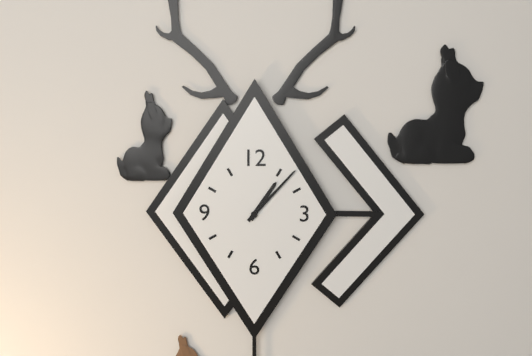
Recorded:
h=1 m=7
